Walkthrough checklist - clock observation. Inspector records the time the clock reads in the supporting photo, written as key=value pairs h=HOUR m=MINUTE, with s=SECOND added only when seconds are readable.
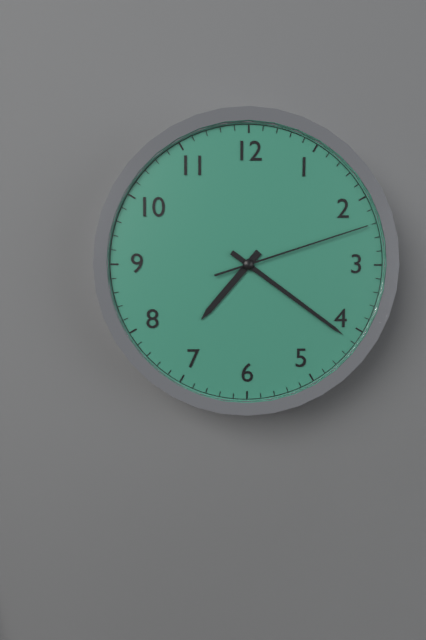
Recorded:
h=7 m=21 s=12
